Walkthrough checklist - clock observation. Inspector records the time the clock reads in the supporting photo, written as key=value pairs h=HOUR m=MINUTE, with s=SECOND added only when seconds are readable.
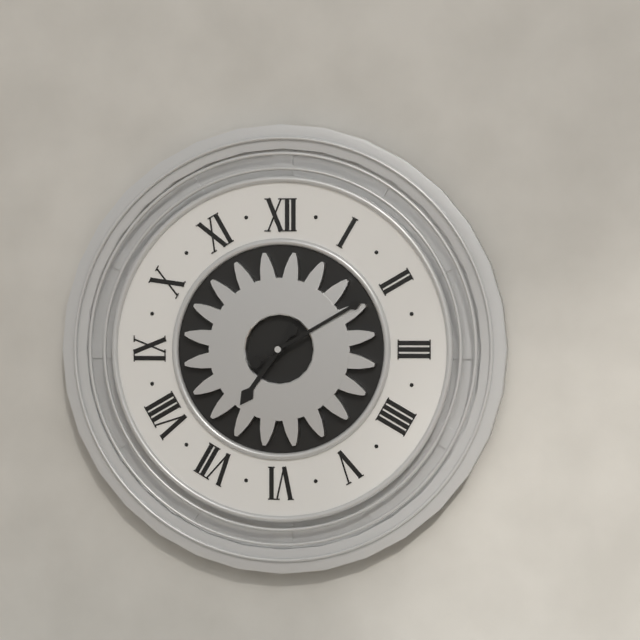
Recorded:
h=7 m=10
